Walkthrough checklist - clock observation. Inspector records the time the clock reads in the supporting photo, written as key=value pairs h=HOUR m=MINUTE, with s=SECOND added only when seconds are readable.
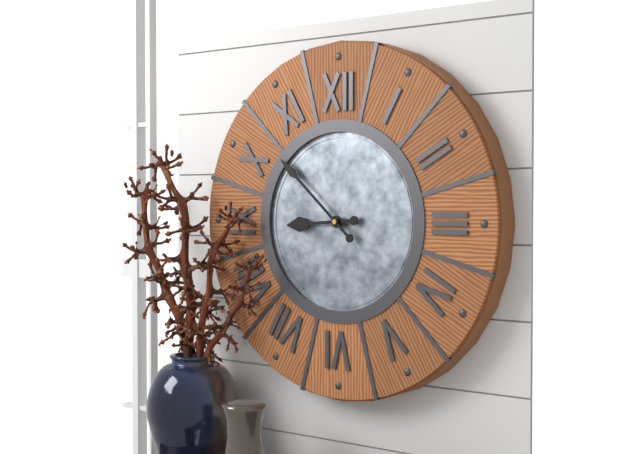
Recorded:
h=8 m=52
